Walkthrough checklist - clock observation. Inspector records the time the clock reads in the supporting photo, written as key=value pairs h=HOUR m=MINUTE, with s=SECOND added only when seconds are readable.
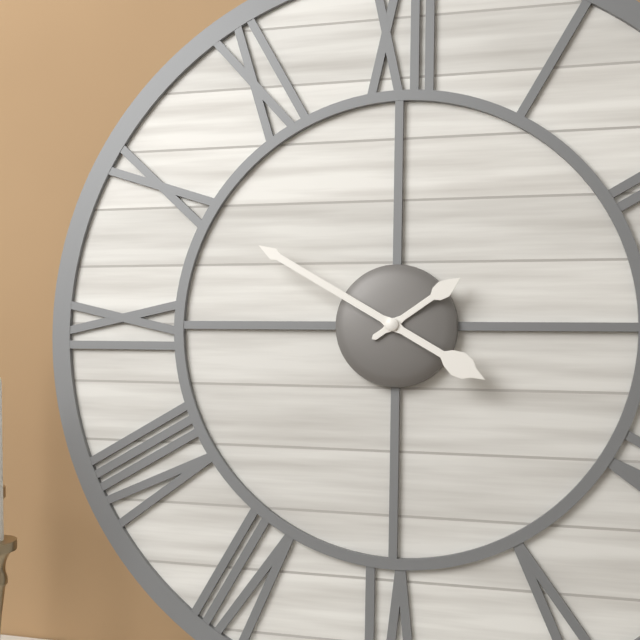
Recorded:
h=1 m=50
